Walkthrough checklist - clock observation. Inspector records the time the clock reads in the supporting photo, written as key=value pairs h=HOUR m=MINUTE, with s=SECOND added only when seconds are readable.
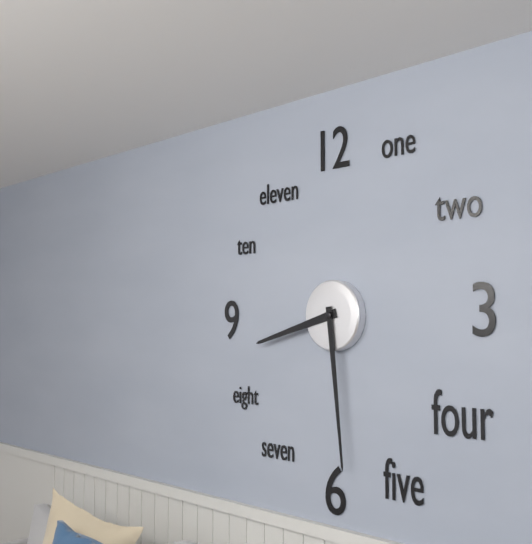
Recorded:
h=8 m=29
